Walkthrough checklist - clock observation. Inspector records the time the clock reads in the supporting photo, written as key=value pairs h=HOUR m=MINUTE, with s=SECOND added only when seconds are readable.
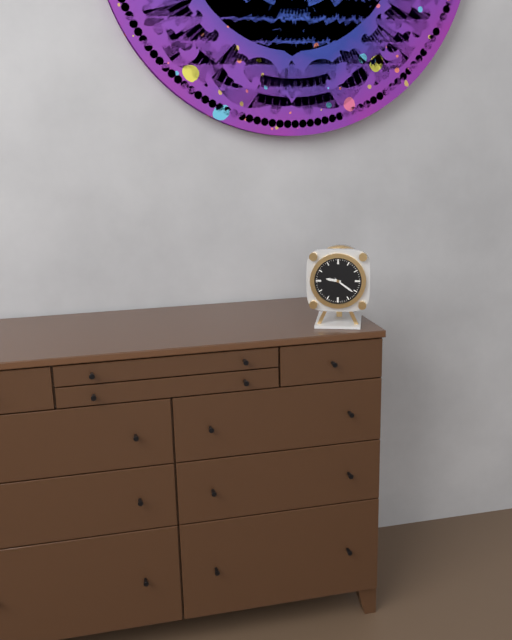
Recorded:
h=9 m=21
